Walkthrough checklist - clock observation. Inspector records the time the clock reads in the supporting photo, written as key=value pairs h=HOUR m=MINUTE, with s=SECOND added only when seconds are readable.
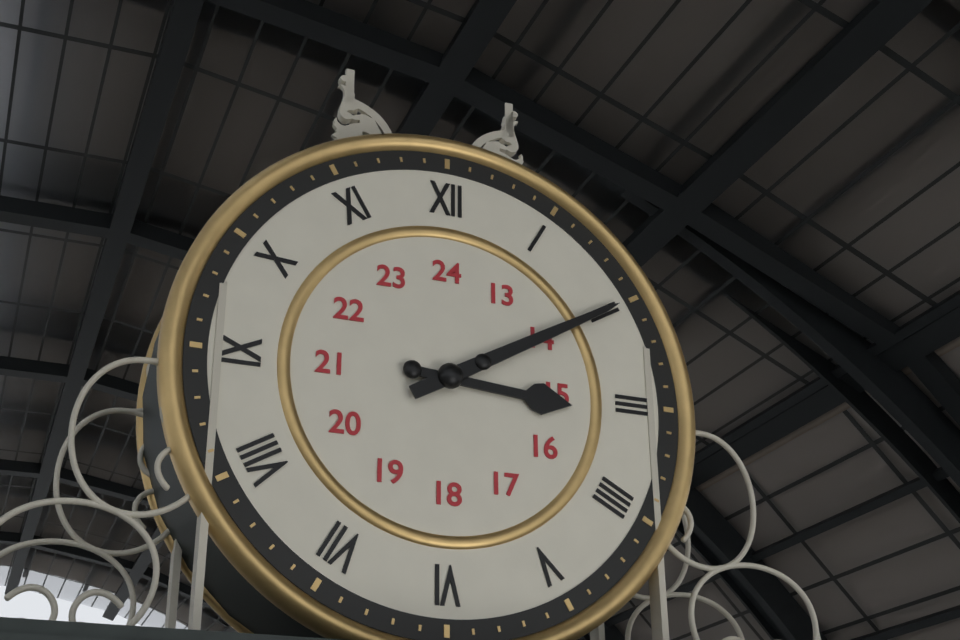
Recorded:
h=3 m=10
